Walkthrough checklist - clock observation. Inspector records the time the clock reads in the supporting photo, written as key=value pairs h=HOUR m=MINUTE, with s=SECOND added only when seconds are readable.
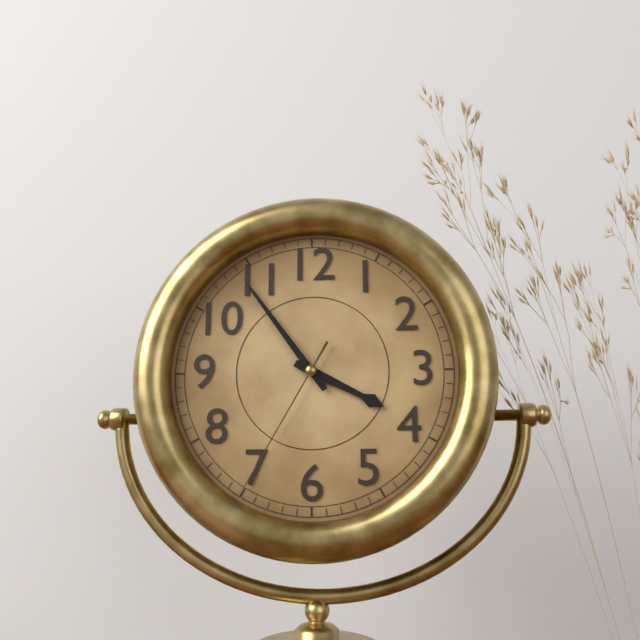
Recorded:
h=3 m=54 s=35
